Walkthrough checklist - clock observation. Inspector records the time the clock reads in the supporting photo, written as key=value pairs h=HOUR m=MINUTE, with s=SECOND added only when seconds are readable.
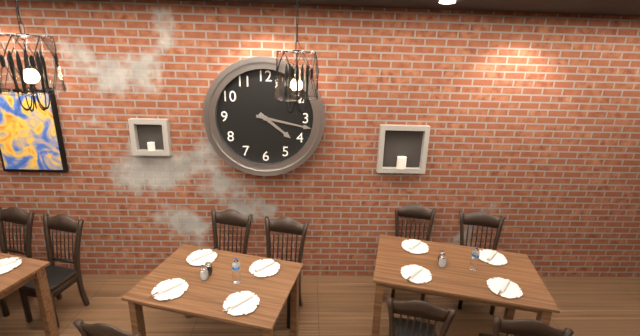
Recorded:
h=4 m=17
